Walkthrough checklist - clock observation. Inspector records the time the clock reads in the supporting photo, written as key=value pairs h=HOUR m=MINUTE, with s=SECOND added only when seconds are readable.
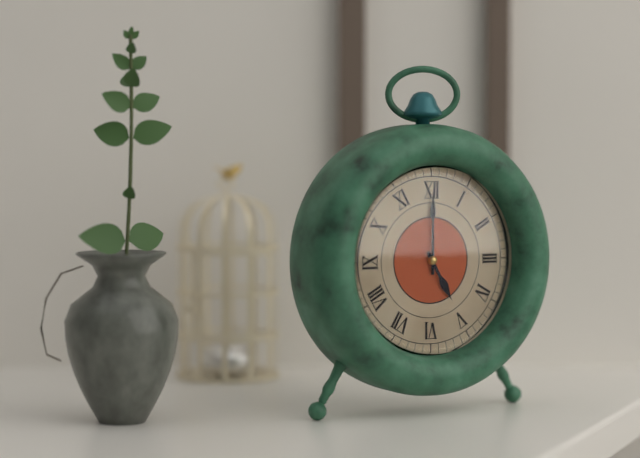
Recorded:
h=5 m=0
